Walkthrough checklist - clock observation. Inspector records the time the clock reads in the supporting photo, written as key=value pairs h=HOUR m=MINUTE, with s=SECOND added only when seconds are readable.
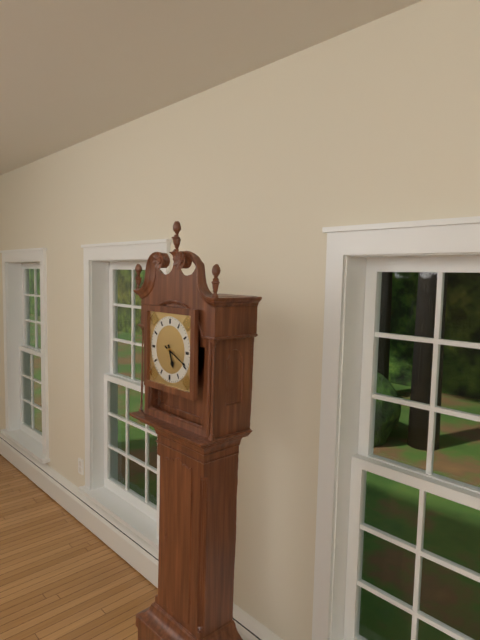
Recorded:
h=5 m=19
